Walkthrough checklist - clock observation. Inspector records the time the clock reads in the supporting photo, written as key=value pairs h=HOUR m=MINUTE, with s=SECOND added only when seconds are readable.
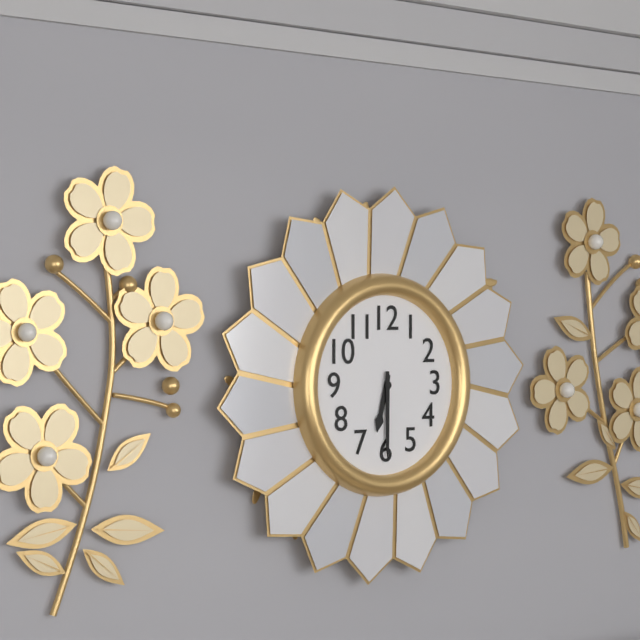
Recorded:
h=6 m=30
